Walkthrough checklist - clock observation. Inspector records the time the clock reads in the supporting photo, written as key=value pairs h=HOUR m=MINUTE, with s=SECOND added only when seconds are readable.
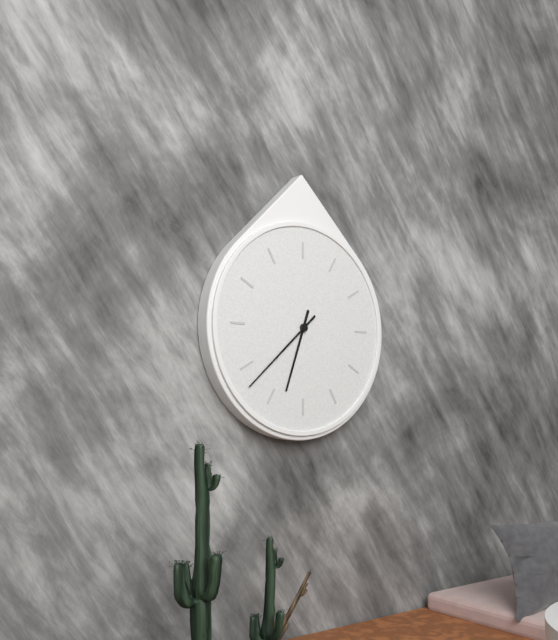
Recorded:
h=6 m=38
